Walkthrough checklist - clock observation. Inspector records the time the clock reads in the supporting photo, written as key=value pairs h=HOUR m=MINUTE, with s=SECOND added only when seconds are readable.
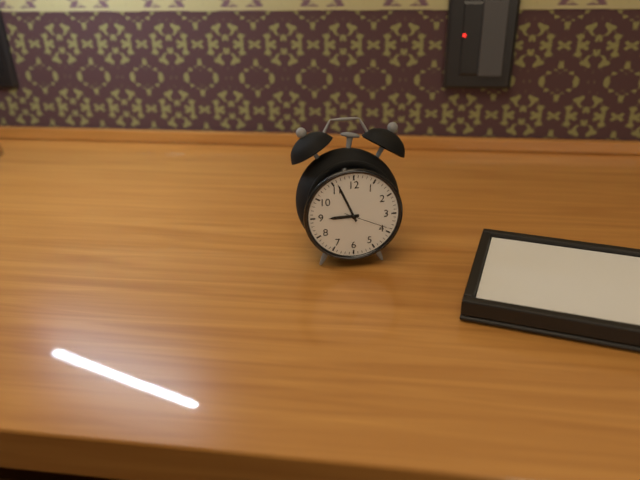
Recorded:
h=8 m=56
